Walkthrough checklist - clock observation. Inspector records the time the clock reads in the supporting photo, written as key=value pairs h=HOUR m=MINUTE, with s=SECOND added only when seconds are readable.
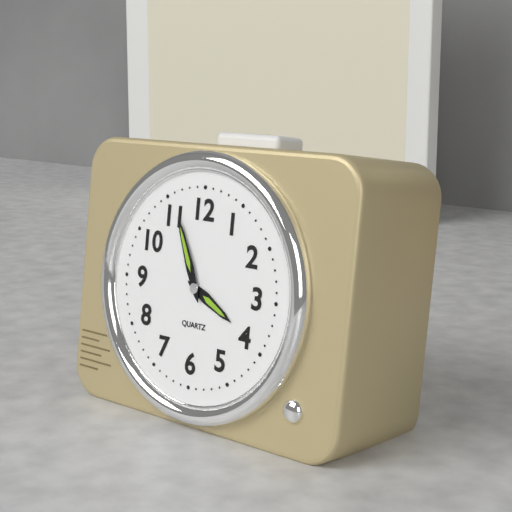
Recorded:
h=3 m=56
